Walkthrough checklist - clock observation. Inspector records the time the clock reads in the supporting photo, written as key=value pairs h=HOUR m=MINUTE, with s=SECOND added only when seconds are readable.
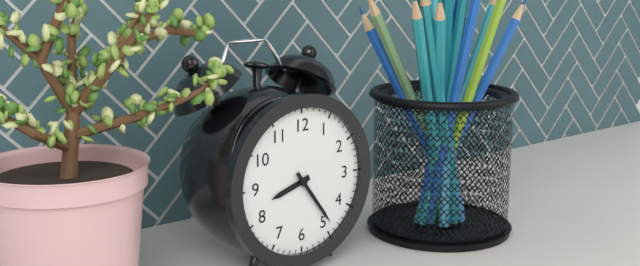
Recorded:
h=8 m=24
